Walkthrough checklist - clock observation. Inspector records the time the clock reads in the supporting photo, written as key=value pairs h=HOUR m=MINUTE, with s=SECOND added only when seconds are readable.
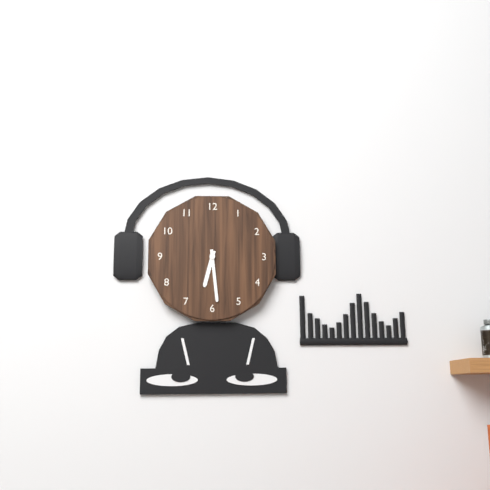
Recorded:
h=6 m=29
